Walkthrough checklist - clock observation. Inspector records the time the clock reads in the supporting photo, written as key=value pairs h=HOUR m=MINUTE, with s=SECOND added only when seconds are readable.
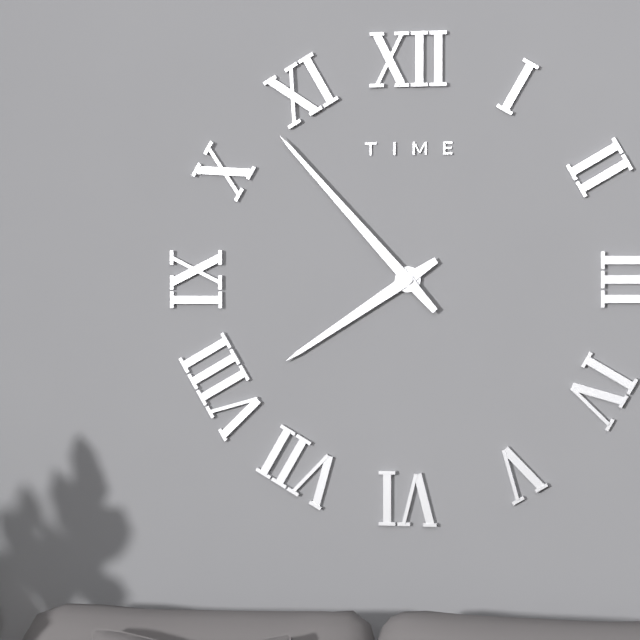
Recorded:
h=7 m=53
